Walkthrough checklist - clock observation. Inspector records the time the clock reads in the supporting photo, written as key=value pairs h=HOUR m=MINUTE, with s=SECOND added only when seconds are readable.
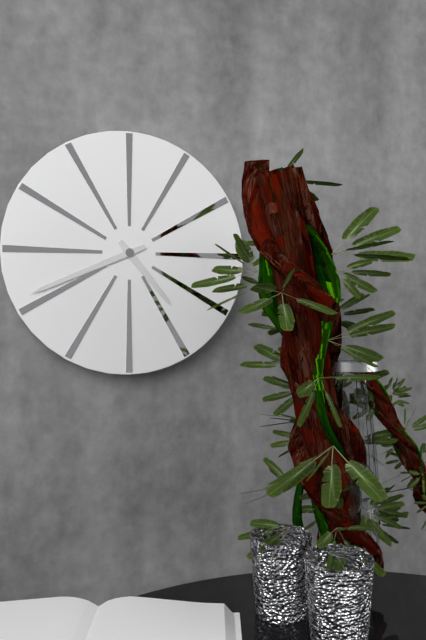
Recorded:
h=4 m=41
